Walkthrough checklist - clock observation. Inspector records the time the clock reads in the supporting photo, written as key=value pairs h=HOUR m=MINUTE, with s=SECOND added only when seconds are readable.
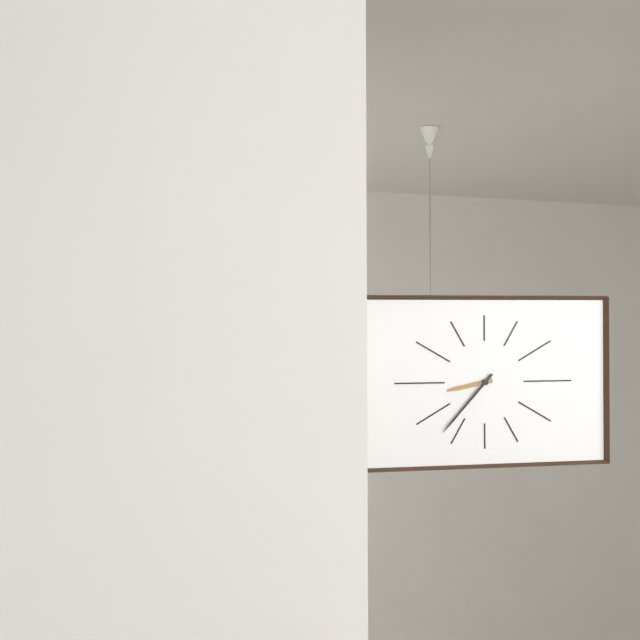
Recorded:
h=8 m=37
